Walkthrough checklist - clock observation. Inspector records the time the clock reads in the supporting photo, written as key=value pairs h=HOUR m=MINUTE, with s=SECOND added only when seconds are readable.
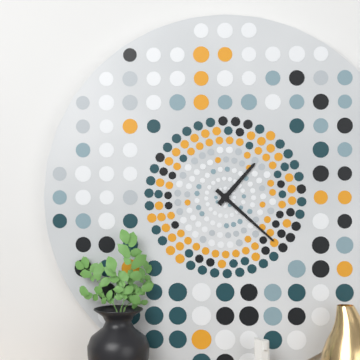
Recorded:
h=1 m=22
